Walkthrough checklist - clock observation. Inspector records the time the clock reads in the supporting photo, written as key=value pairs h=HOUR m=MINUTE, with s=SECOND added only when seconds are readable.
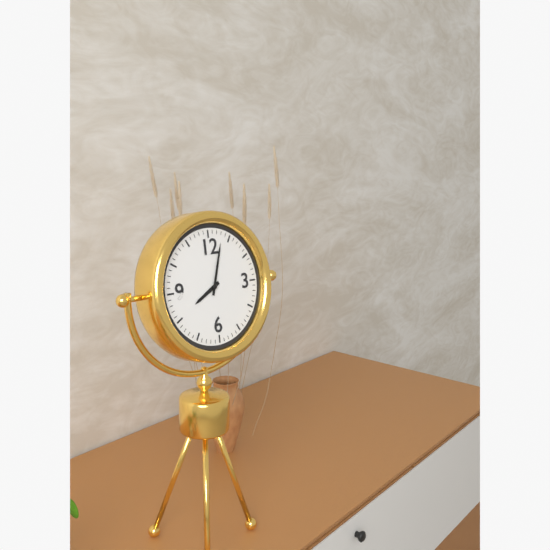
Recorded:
h=8 m=3
